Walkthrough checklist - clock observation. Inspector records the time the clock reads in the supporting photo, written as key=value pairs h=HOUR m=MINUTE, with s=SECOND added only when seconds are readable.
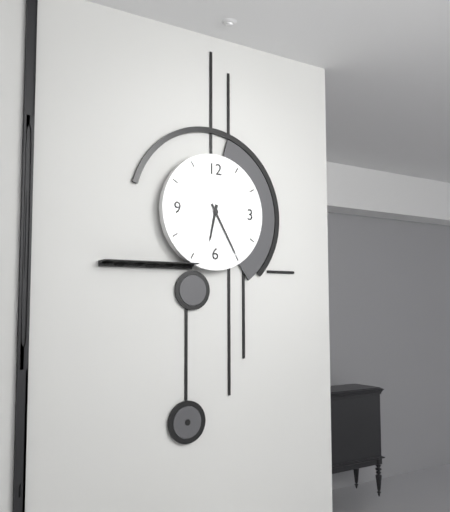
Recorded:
h=6 m=25
